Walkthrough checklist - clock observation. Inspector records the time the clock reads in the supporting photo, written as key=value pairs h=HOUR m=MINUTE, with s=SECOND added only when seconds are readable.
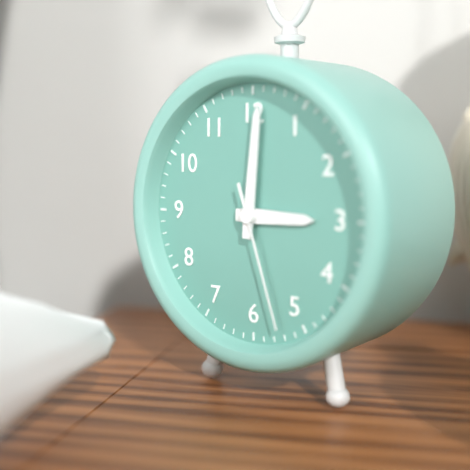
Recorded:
h=3 m=1 s=27
